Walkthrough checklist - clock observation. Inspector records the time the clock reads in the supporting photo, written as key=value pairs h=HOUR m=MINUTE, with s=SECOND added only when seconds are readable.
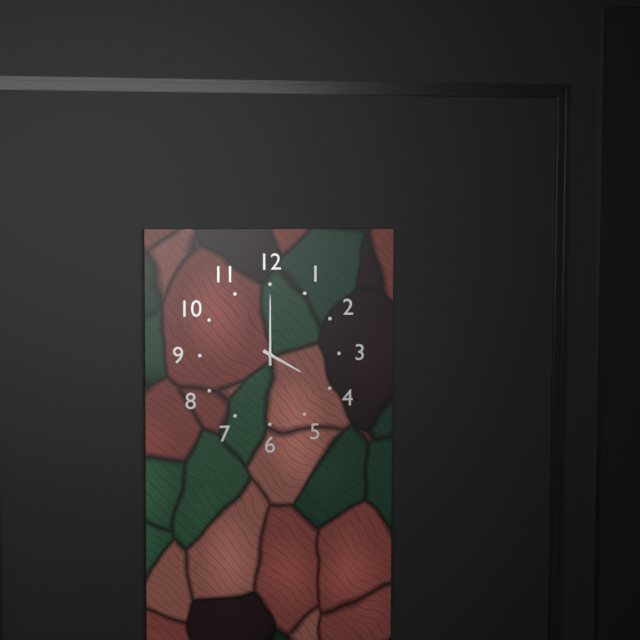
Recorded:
h=4 m=0
